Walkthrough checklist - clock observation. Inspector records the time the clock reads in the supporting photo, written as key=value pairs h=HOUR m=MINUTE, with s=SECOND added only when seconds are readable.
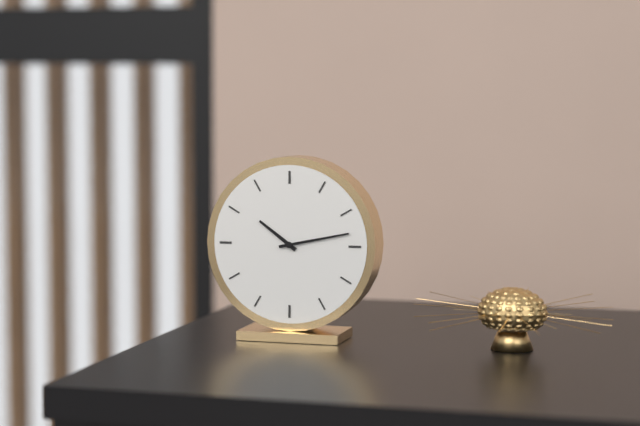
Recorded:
h=10 m=13
